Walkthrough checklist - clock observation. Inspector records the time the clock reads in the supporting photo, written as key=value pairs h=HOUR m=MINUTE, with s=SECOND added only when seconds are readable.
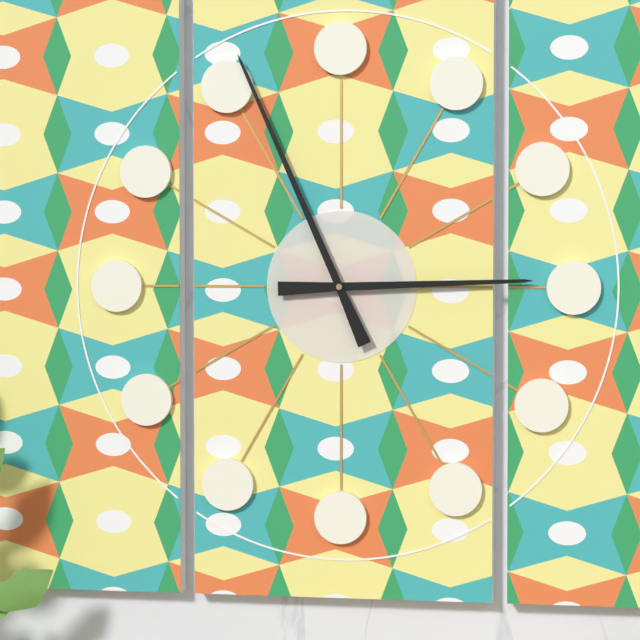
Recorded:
h=2 m=56
